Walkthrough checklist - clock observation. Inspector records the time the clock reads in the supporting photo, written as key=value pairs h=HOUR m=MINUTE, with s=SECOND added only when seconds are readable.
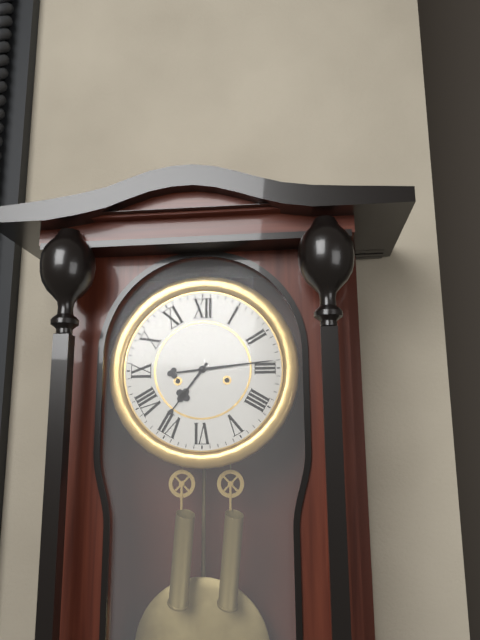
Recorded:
h=7 m=14
